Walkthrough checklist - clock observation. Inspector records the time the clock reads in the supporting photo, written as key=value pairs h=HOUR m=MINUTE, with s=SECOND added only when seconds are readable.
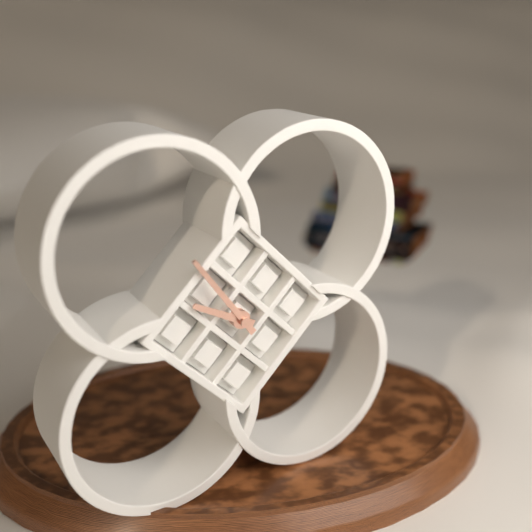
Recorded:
h=9 m=54
